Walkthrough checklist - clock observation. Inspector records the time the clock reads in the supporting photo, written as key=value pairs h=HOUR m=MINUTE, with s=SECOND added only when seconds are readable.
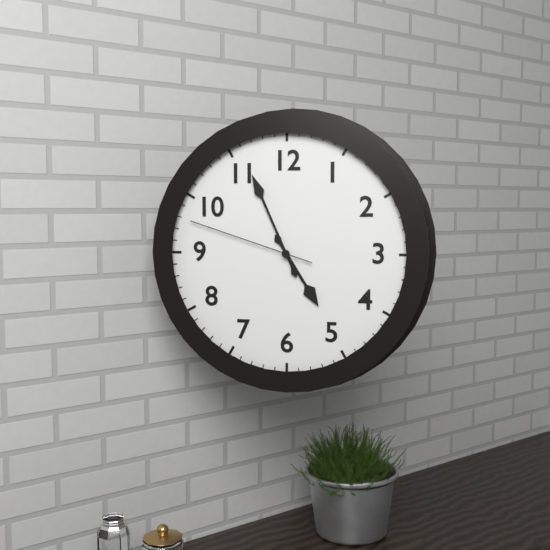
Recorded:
h=4 m=56 s=48
